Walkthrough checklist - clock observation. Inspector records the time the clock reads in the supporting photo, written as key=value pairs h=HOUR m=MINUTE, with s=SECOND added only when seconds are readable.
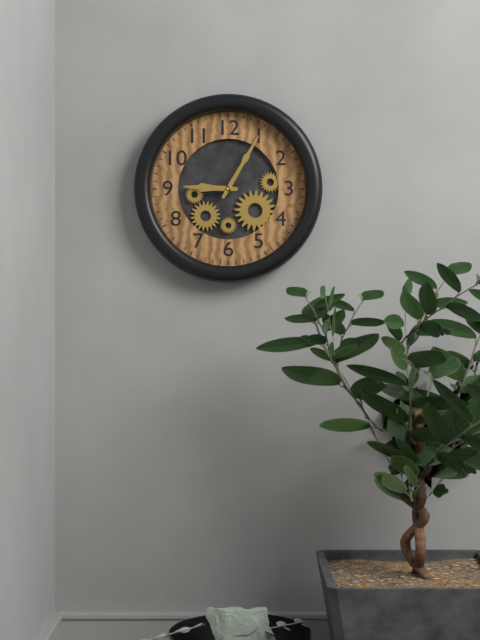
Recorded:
h=9 m=5
